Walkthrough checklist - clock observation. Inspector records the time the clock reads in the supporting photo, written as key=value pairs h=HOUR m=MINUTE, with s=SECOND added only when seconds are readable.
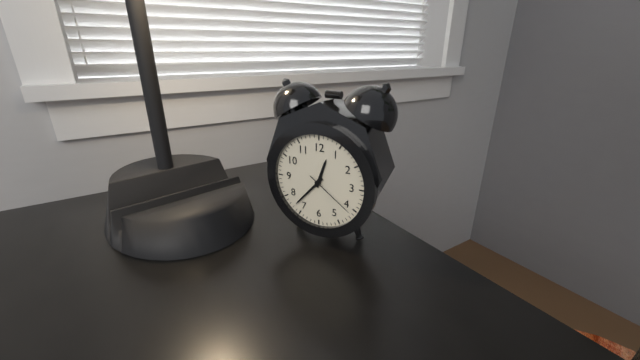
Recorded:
h=12 m=37 s=21
